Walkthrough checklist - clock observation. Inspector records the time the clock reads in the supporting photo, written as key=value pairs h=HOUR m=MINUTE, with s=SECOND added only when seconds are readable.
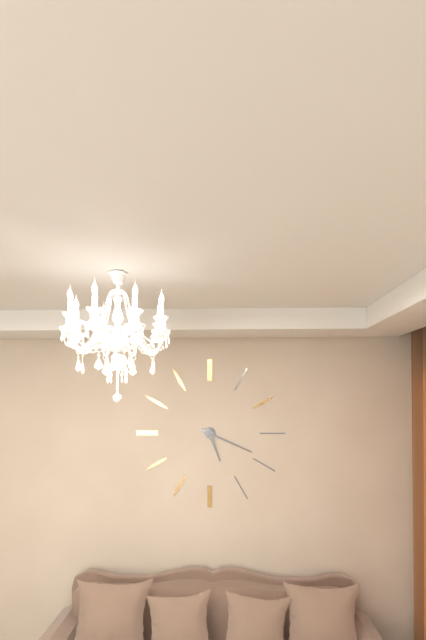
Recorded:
h=5 m=19
